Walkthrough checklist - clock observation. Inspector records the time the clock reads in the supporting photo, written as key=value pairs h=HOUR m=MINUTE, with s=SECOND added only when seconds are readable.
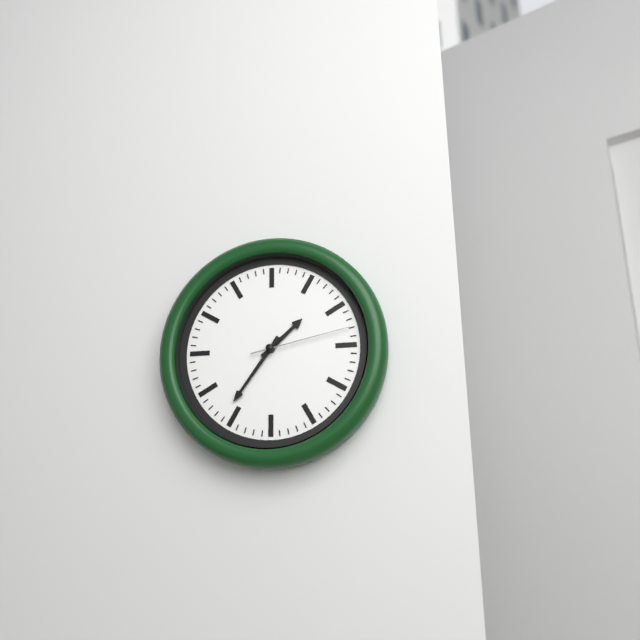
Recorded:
h=1 m=36 s=13
